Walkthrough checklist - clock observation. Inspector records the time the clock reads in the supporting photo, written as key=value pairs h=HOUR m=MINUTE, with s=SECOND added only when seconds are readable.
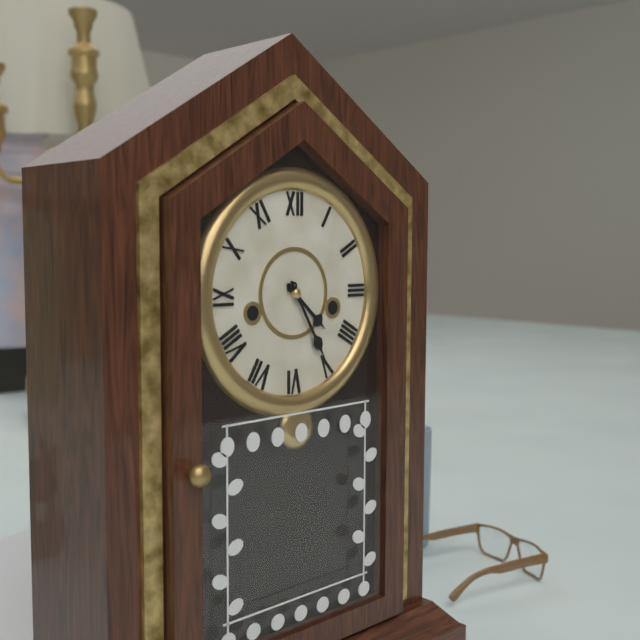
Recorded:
h=4 m=25
